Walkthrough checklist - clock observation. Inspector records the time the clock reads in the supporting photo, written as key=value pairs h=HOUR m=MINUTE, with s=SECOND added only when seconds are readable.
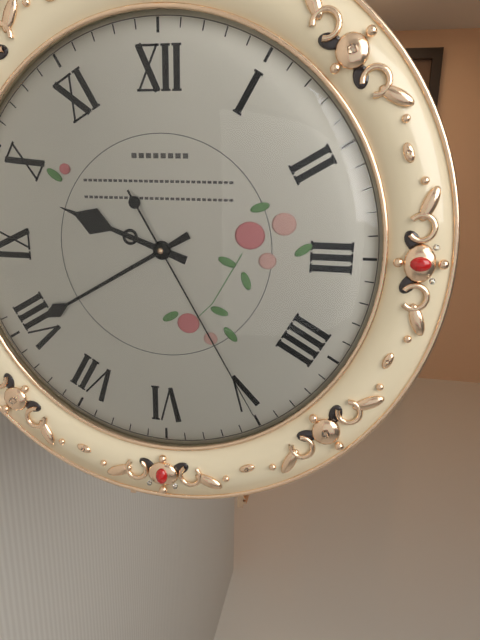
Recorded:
h=9 m=40 s=25
